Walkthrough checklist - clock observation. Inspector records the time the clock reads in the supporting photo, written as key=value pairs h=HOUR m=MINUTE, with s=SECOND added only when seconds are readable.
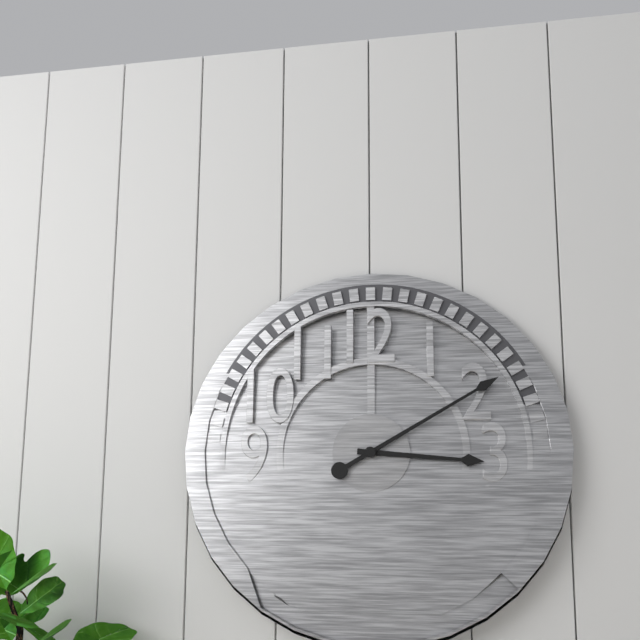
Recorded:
h=3 m=10
